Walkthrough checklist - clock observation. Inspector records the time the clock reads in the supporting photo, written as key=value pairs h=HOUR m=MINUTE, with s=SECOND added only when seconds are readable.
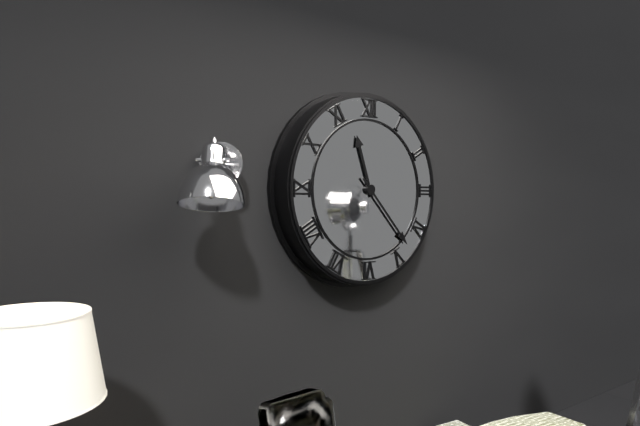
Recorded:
h=11 m=23
